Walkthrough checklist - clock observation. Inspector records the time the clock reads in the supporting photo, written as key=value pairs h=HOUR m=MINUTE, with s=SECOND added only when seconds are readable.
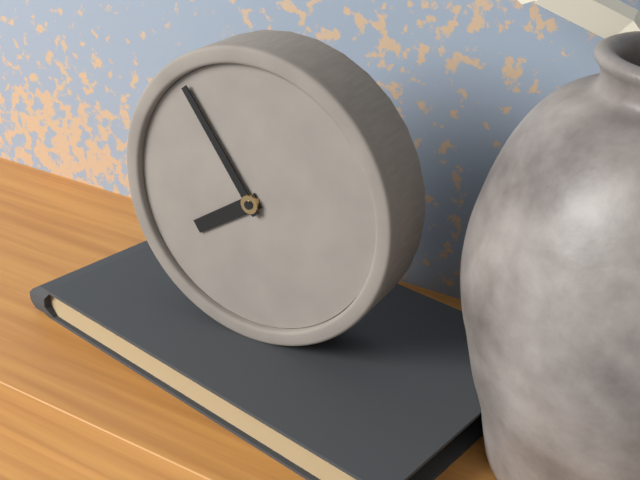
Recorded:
h=7 m=54
